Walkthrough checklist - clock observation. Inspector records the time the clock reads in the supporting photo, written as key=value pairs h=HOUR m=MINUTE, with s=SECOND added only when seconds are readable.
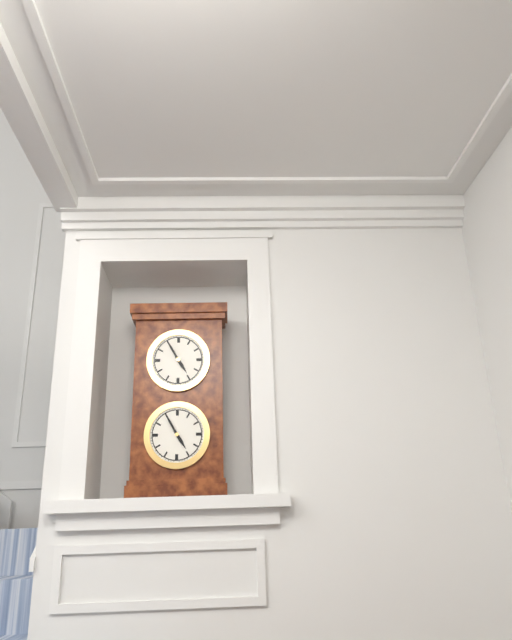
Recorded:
h=4 m=55
